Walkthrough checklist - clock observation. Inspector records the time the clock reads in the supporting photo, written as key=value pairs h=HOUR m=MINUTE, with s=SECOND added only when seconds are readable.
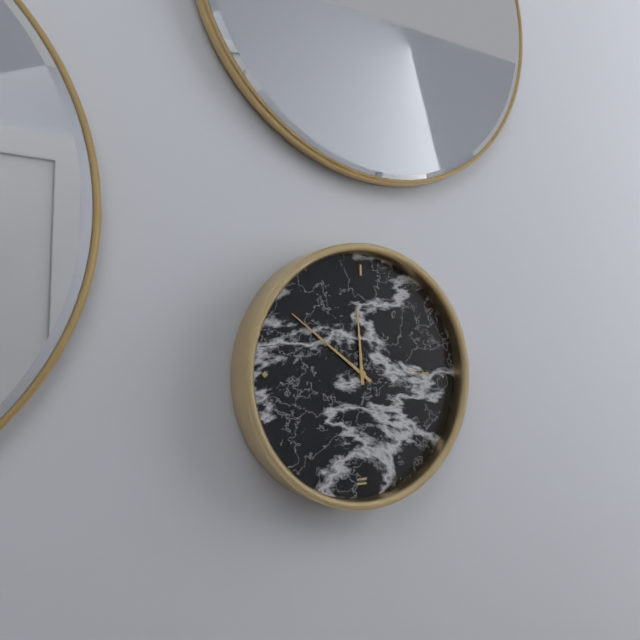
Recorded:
h=11 m=51
